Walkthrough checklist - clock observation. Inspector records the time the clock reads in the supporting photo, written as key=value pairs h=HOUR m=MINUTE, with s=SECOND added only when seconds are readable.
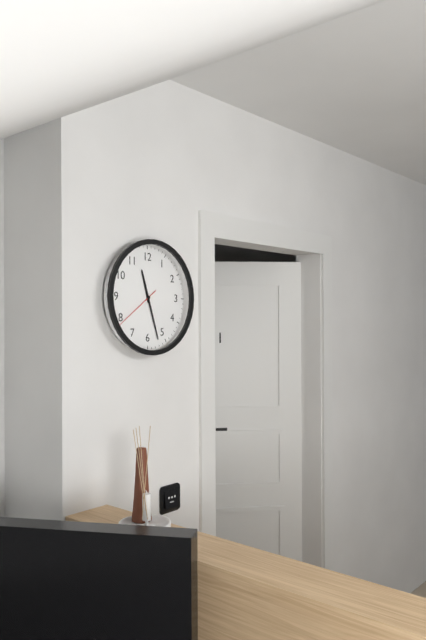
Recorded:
h=11 m=27 s=39
